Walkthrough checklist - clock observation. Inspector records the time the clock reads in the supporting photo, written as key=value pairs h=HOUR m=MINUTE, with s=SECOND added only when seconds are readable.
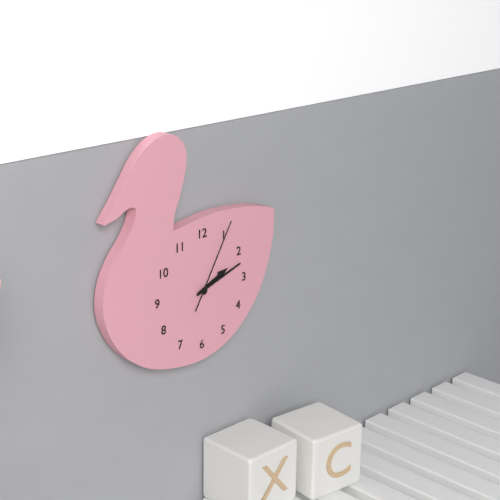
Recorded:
h=2 m=12 s=5
